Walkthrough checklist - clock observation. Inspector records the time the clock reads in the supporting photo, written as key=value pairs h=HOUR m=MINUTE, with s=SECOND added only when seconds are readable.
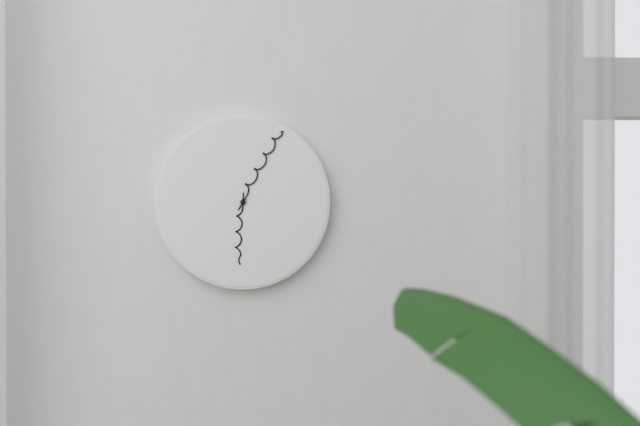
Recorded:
h=6 m=5
